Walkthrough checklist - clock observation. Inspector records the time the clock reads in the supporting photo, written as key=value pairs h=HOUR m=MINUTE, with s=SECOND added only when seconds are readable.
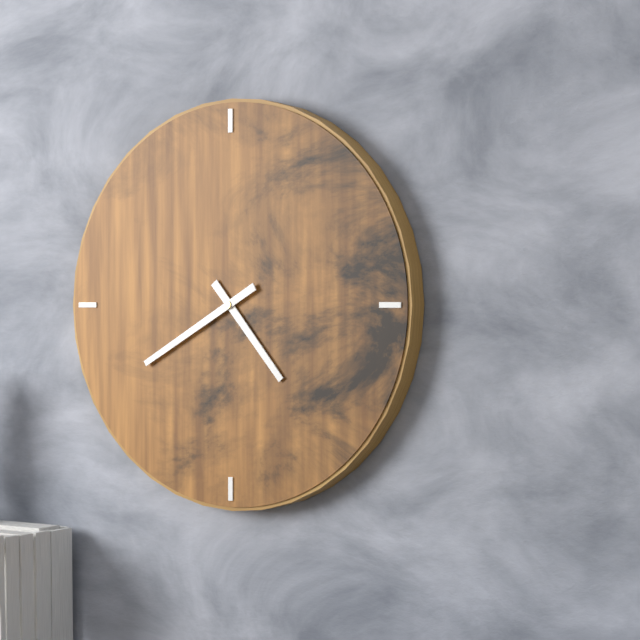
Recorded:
h=4 m=40
